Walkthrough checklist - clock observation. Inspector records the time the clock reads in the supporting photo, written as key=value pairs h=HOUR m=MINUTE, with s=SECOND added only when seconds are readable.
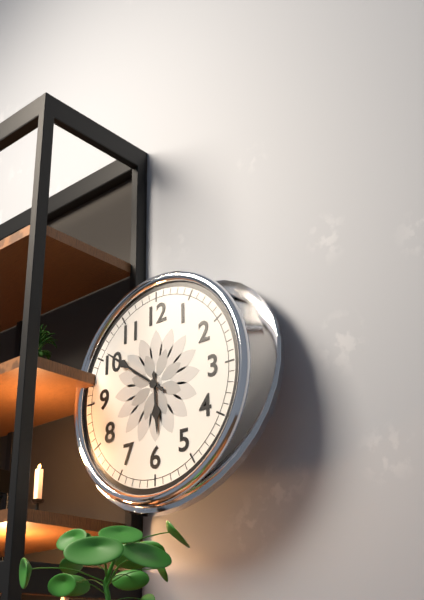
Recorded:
h=5 m=51
